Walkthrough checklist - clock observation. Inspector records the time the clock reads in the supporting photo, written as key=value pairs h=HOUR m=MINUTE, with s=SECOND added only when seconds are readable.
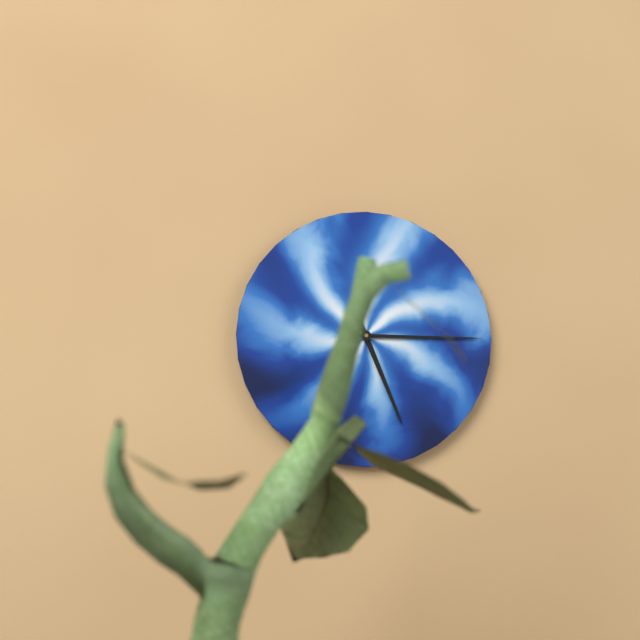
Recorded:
h=5 m=15
